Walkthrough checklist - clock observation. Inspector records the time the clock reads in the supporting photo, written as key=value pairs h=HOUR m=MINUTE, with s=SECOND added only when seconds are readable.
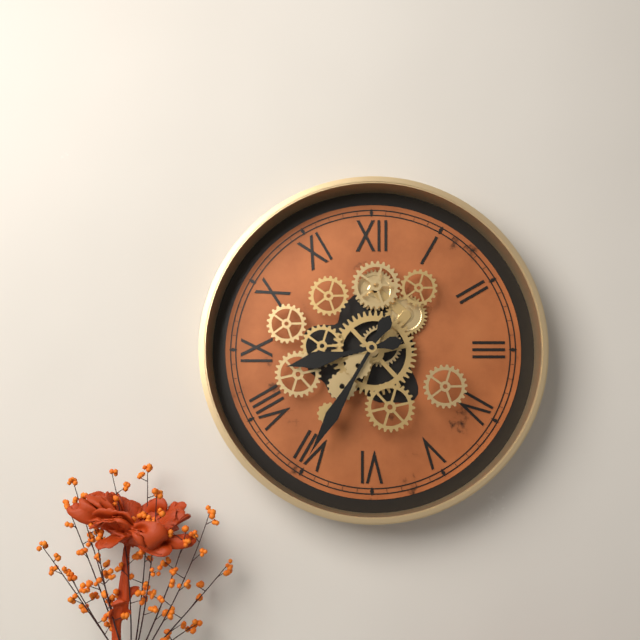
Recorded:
h=8 m=35
